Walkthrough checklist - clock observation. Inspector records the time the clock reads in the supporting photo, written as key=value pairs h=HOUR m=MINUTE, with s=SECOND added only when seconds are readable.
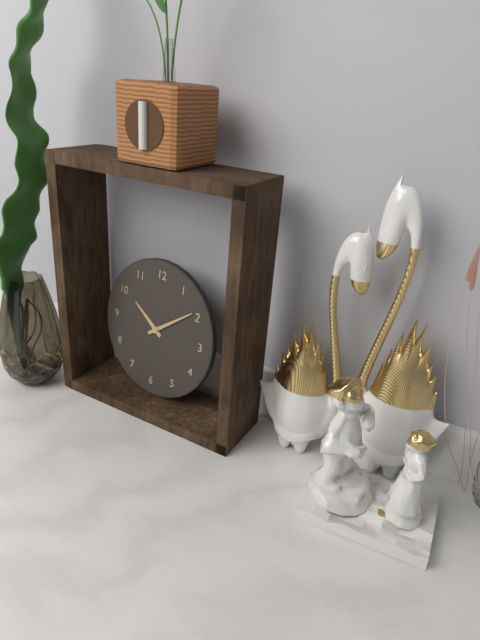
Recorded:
h=10 m=9
